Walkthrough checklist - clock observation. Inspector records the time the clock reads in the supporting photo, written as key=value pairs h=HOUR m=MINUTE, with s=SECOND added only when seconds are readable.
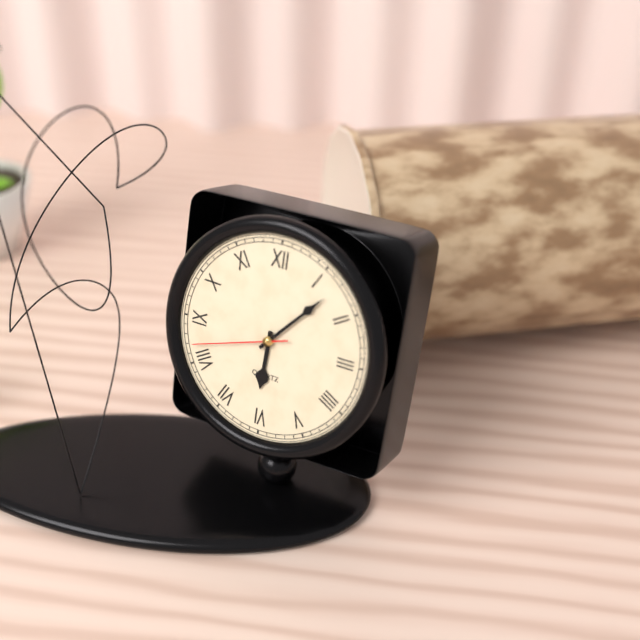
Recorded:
h=6 m=7 s=42
